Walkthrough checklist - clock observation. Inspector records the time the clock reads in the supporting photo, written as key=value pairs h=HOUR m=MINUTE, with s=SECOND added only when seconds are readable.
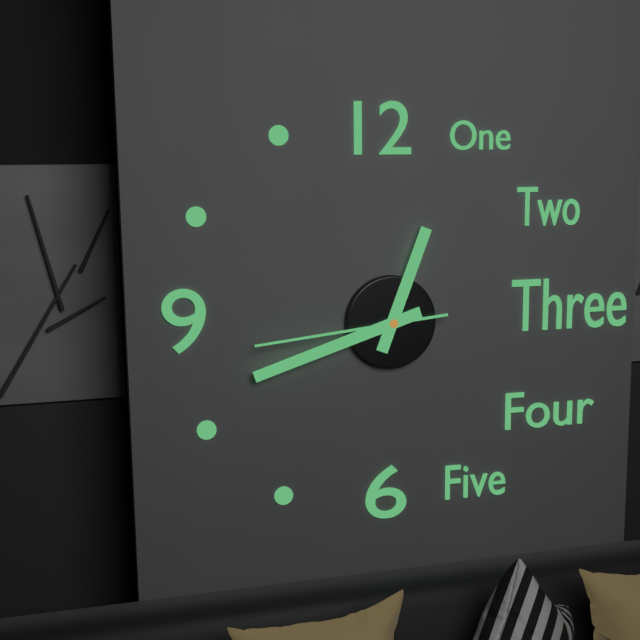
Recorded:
h=12 m=42 s=44
